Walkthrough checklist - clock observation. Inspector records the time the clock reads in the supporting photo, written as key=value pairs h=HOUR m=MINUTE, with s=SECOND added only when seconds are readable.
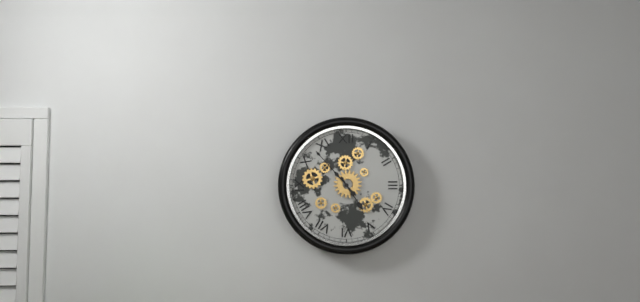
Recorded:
h=4 m=53
